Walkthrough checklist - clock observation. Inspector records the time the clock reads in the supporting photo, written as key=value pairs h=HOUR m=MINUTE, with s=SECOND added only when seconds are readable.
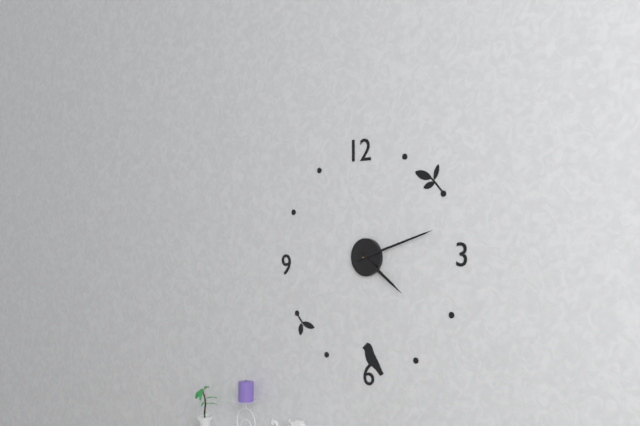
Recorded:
h=4 m=12
